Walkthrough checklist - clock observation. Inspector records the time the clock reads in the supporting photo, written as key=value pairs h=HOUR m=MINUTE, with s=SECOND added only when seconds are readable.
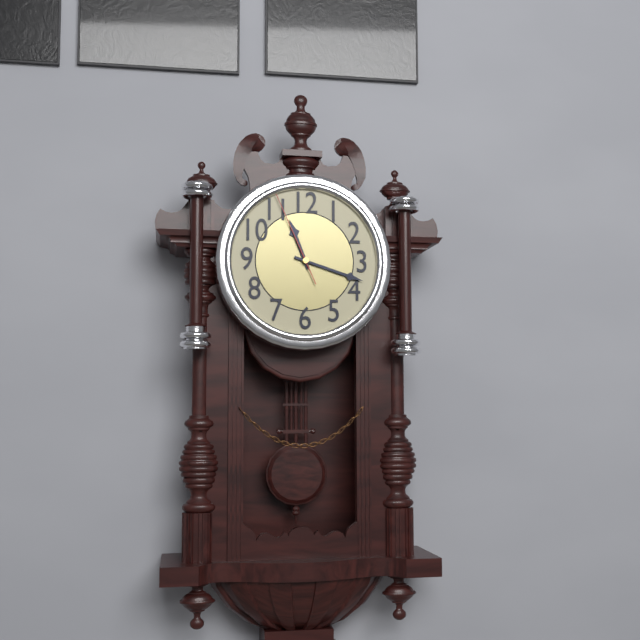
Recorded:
h=11 m=18 s=56
